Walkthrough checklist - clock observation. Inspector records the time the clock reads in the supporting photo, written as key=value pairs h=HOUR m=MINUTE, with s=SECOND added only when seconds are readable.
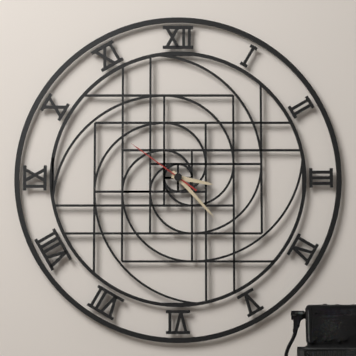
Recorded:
h=3 m=23 s=51
